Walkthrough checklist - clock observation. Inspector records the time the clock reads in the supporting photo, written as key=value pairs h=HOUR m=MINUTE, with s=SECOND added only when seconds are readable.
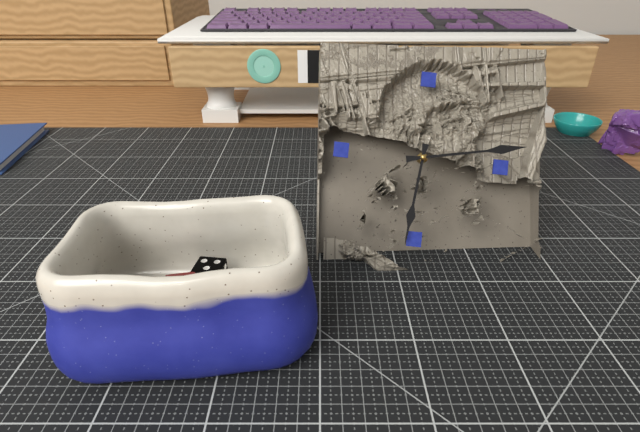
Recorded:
h=6 m=13
